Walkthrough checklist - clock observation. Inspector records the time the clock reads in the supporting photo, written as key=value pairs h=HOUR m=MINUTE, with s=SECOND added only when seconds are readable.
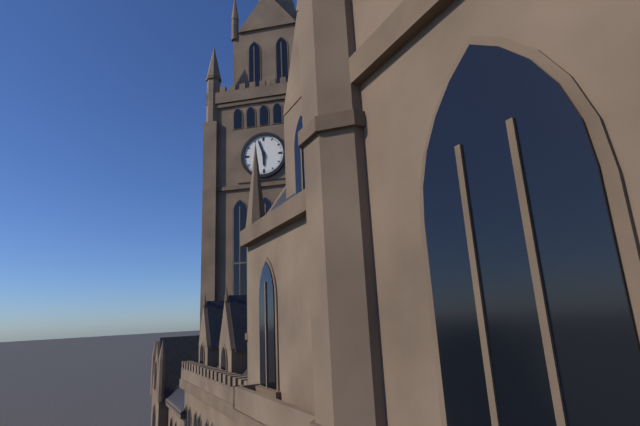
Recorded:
h=5 m=57
